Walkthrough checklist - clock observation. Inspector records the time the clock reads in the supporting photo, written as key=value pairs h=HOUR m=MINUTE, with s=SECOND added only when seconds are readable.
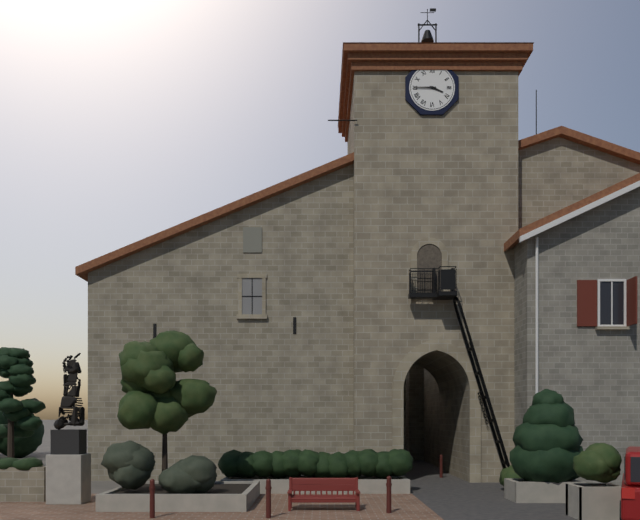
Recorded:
h=3 m=45
